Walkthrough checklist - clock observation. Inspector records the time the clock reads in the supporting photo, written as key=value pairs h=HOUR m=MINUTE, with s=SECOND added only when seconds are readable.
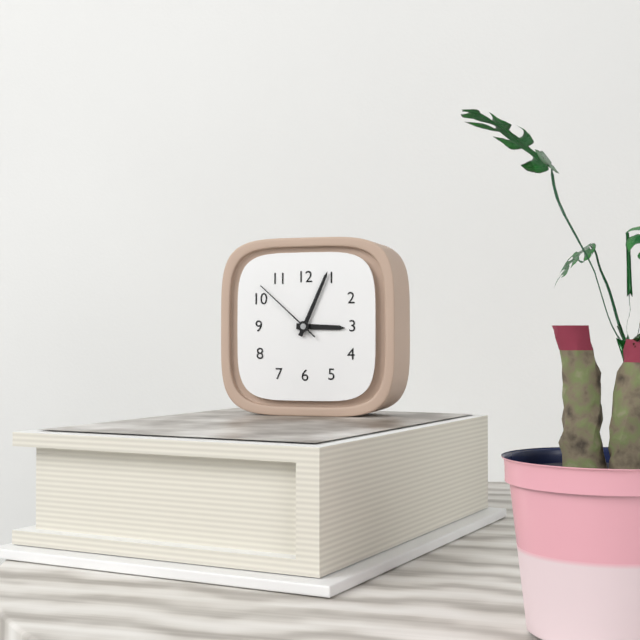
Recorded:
h=3 m=4 s=52
